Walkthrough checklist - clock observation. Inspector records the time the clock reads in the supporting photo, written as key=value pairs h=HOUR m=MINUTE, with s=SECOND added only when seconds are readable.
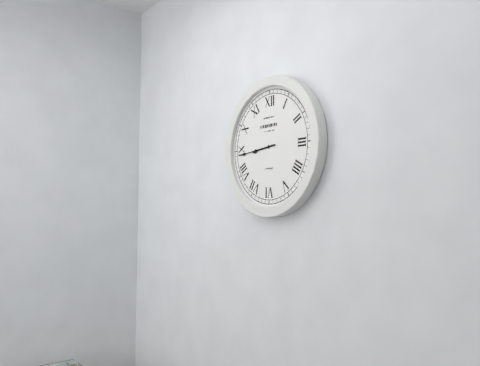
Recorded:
h=8 m=44
